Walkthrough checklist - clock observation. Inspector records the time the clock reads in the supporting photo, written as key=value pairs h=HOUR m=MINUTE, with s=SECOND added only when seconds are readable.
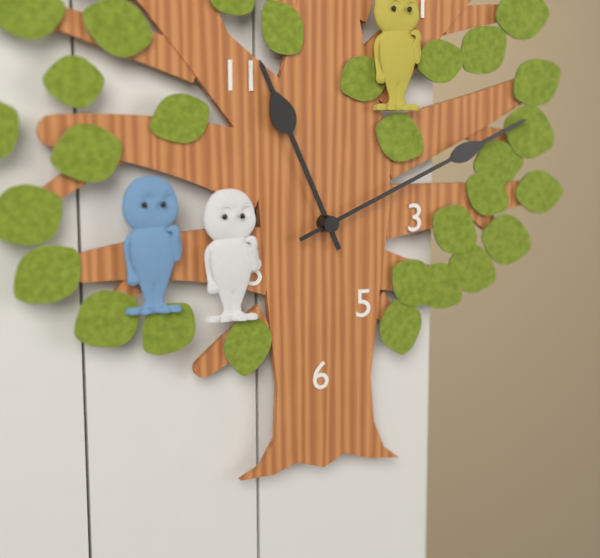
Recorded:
h=11 m=11
